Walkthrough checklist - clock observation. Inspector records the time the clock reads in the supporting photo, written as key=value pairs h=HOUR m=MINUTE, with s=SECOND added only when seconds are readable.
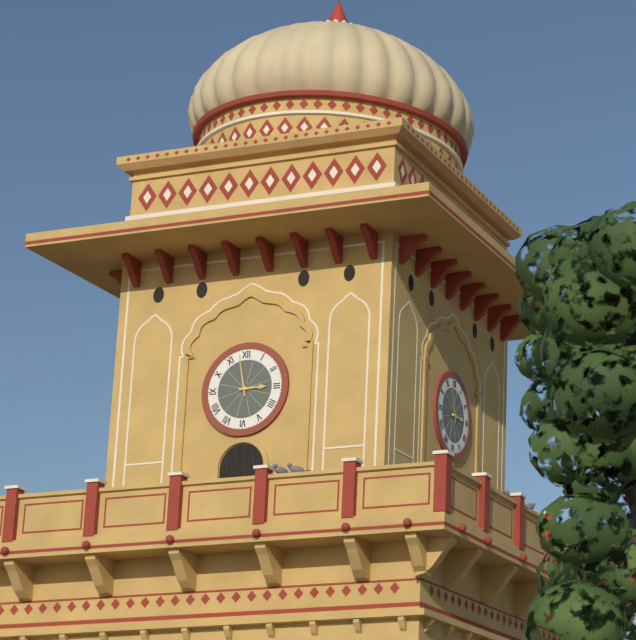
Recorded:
h=2 m=58
